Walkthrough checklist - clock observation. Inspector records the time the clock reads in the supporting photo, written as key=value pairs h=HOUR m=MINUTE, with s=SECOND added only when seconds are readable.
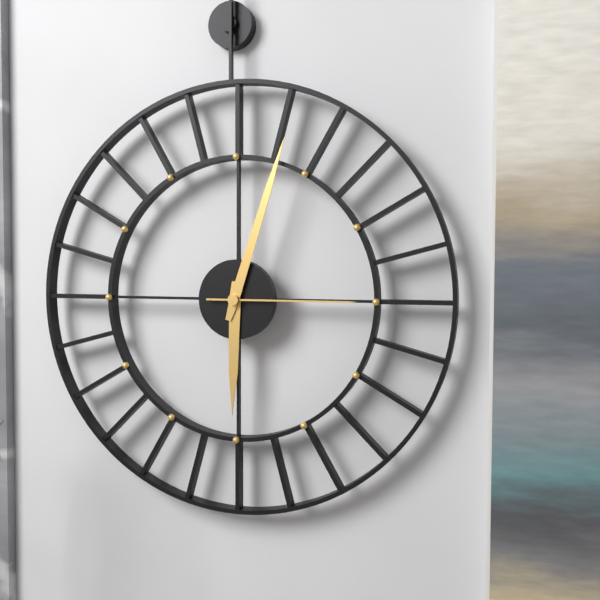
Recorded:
h=6 m=3 s=15
